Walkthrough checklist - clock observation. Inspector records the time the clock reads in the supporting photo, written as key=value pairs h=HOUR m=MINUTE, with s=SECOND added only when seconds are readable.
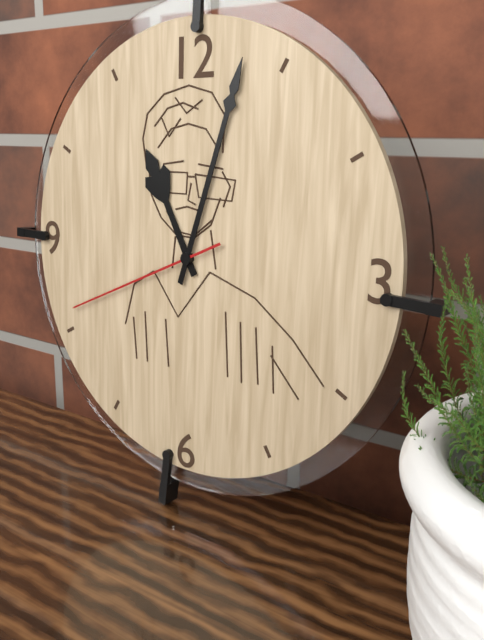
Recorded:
h=11 m=3 s=41
